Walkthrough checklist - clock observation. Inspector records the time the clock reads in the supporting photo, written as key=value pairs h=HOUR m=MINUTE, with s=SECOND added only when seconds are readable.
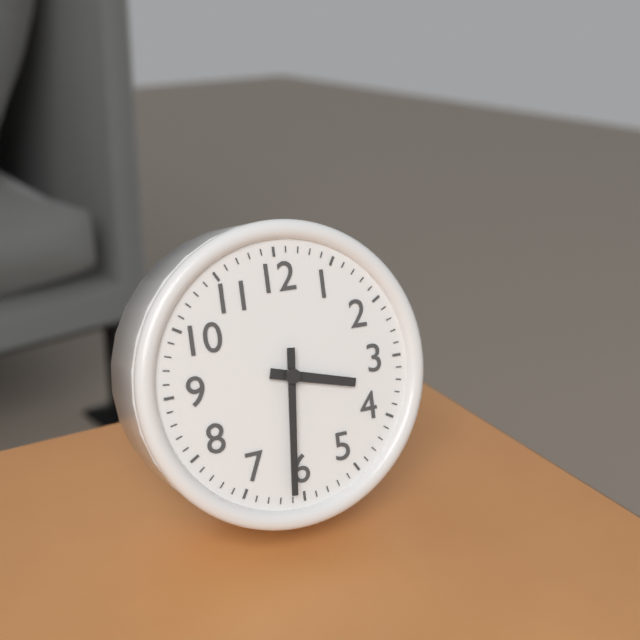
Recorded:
h=3 m=31
